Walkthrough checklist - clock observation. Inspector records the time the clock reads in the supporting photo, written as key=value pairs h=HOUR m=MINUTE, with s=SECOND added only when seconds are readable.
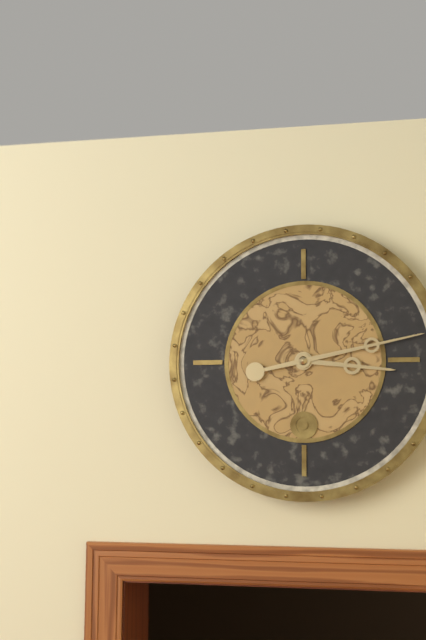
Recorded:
h=3 m=13
